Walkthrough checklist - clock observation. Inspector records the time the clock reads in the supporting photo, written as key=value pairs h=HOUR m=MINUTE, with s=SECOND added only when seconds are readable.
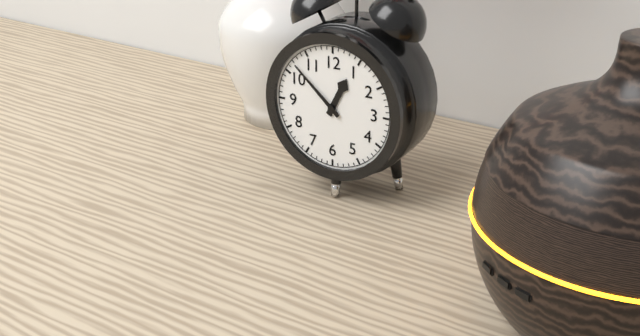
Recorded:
h=12 m=52
